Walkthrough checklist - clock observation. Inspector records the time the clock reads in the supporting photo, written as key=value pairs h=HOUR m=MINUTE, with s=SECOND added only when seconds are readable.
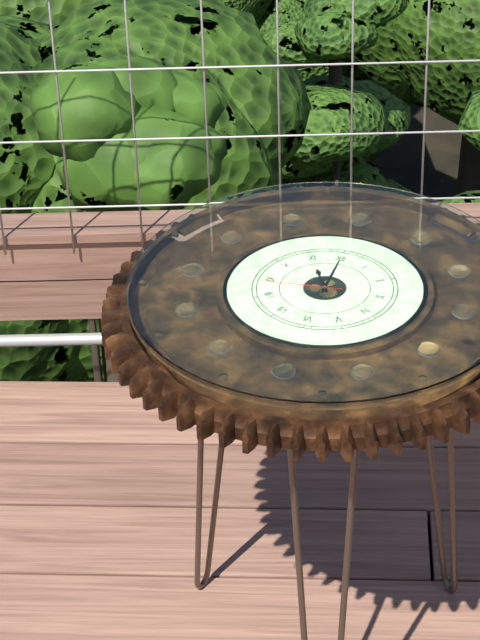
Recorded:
h=11 m=0 s=44
